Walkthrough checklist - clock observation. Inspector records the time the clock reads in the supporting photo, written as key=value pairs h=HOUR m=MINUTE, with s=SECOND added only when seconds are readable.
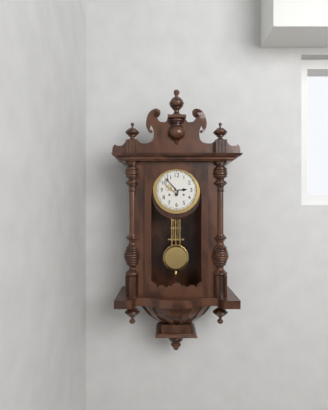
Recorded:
h=2 m=53
